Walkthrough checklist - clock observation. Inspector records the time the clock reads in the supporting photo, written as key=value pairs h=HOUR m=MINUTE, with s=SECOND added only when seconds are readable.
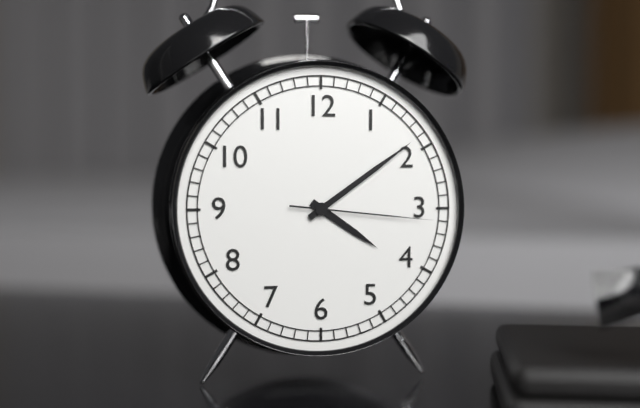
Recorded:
h=4 m=9 s=16
